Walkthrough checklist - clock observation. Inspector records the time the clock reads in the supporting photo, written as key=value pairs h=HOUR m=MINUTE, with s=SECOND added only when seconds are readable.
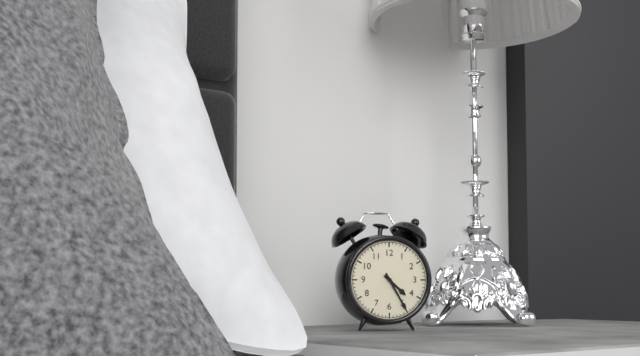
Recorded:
h=4 m=25
